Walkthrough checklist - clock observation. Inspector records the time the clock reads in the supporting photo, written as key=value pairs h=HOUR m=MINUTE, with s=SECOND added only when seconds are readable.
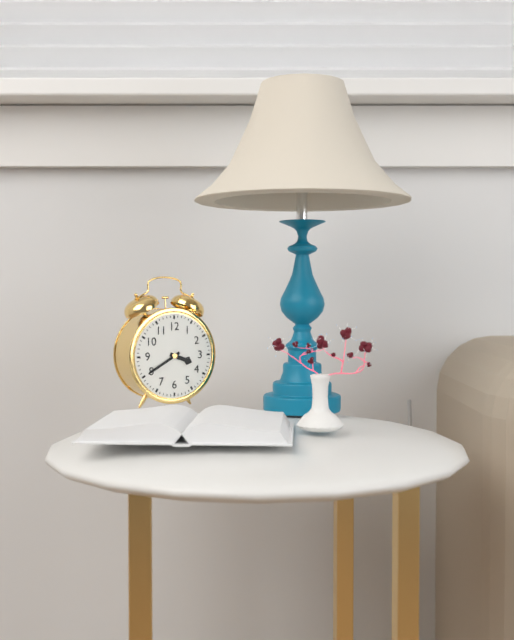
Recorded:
h=3 m=40
